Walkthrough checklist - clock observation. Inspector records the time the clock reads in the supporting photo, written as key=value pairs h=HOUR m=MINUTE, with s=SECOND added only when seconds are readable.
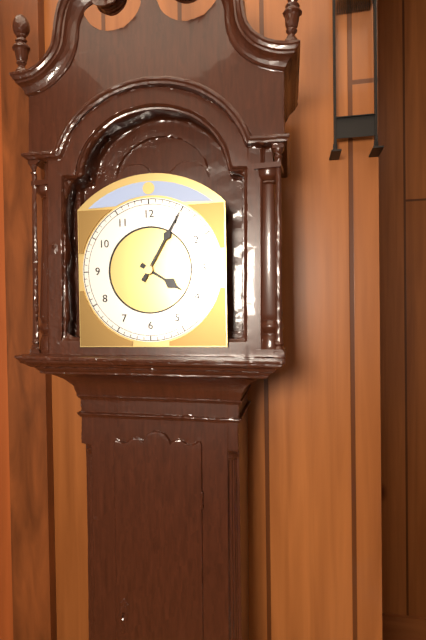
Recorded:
h=4 m=5
